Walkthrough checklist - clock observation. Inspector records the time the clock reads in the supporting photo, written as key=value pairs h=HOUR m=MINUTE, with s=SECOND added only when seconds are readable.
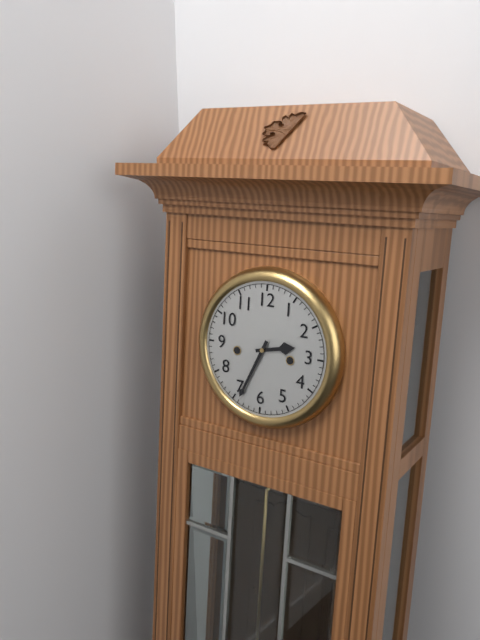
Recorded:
h=2 m=34
